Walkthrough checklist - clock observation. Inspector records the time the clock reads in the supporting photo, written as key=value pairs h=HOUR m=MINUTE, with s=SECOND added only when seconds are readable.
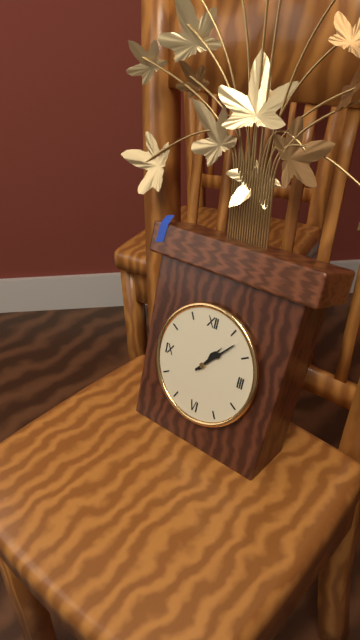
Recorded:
h=1 m=7
